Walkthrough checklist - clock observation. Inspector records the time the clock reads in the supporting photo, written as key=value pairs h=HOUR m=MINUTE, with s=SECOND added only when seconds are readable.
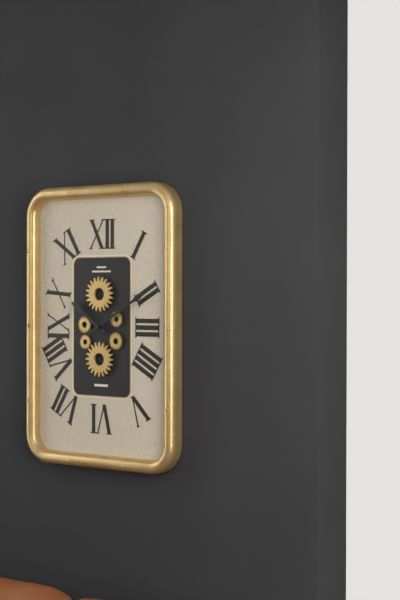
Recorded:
h=10 m=10
